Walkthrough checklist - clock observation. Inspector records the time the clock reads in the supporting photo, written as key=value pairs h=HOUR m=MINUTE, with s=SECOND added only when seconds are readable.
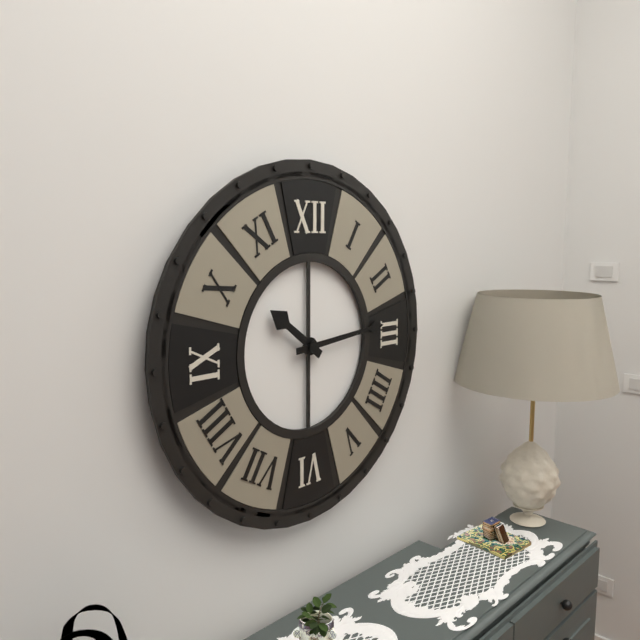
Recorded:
h=10 m=14
